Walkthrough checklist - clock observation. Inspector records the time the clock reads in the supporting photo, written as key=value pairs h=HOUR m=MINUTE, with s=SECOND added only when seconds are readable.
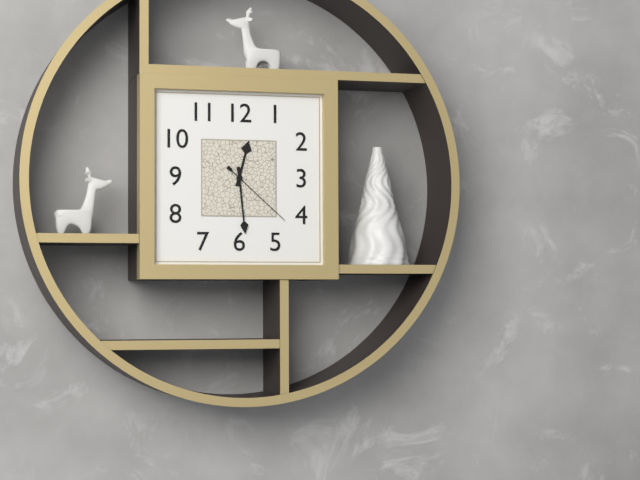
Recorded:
h=12 m=29 s=22
